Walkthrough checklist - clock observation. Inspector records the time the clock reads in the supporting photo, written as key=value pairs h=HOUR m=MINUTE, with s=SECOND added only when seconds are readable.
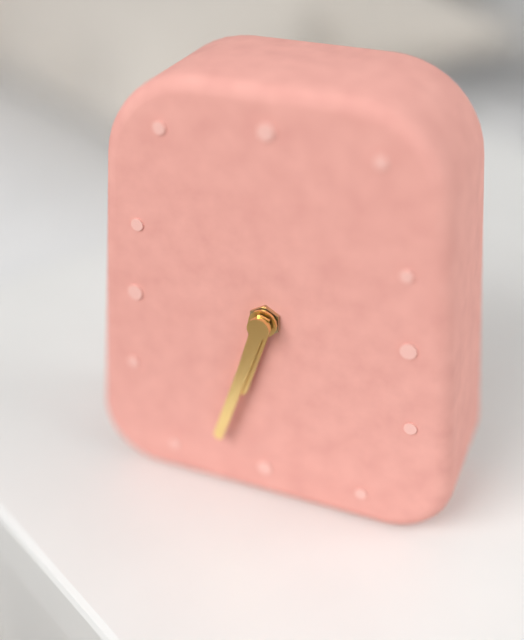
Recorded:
h=6 m=33
